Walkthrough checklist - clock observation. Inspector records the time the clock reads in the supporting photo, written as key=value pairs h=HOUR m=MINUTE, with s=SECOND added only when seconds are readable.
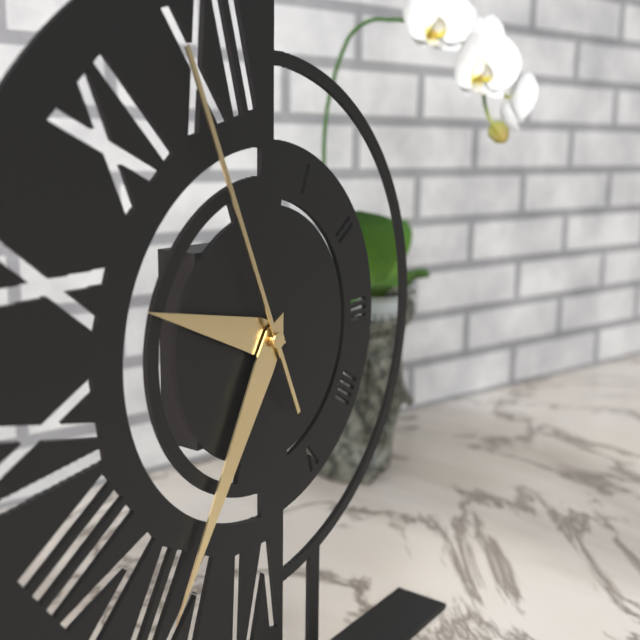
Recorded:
h=9 m=35 s=56
